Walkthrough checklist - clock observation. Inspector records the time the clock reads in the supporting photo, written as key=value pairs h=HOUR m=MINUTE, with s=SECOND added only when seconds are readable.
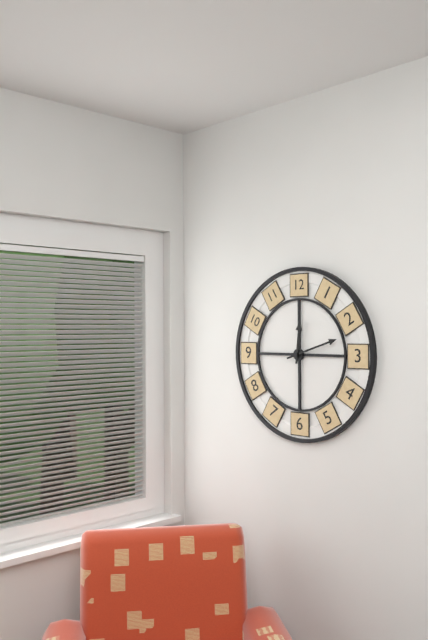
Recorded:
h=12 m=12
